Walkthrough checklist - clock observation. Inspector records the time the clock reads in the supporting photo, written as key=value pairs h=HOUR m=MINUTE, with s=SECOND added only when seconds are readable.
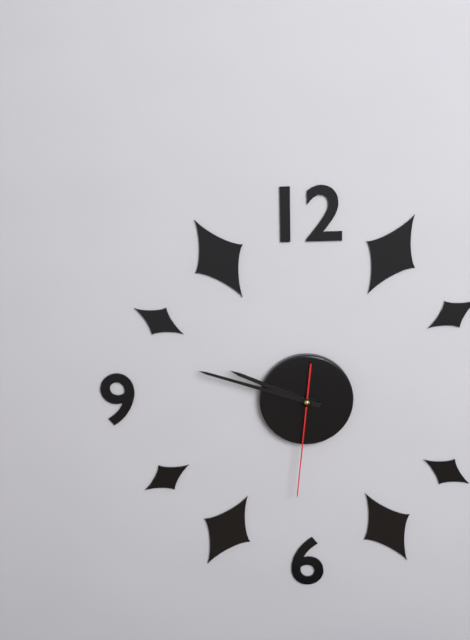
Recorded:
h=9 m=48 s=31
